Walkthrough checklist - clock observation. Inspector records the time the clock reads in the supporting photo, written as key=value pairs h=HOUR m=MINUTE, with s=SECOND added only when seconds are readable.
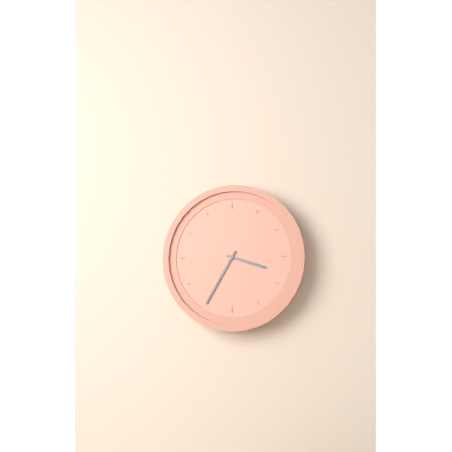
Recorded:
h=3 m=35
